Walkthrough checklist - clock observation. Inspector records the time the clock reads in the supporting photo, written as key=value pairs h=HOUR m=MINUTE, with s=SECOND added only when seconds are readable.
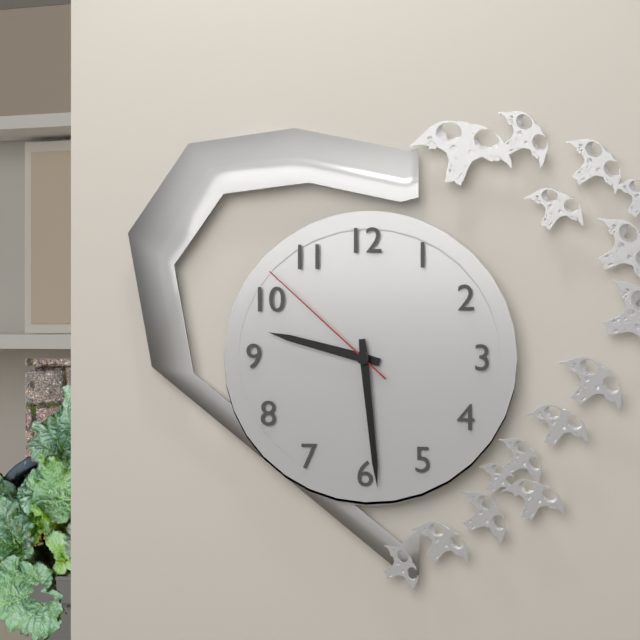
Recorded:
h=9 m=29 s=52
